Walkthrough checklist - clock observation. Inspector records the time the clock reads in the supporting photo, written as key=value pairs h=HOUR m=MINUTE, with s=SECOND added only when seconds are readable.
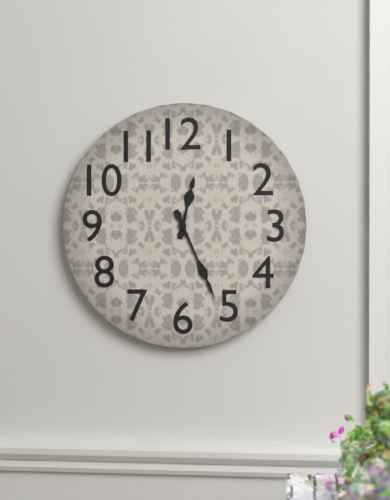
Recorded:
h=12 m=26
